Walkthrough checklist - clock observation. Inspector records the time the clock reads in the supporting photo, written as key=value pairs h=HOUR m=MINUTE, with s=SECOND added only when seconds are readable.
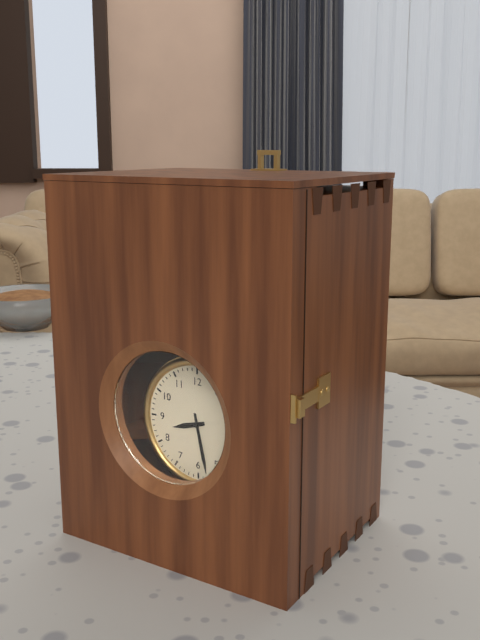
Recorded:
h=8 m=28
